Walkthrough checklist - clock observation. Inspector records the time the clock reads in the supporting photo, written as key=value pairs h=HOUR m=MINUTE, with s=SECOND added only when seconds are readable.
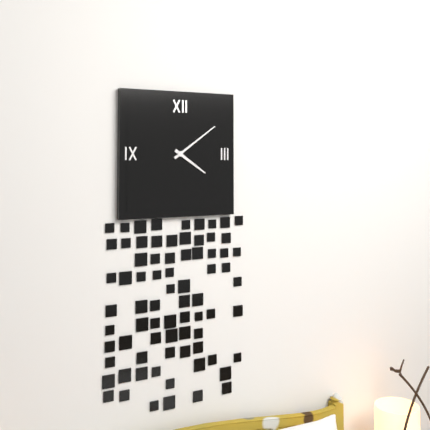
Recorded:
h=4 m=9
